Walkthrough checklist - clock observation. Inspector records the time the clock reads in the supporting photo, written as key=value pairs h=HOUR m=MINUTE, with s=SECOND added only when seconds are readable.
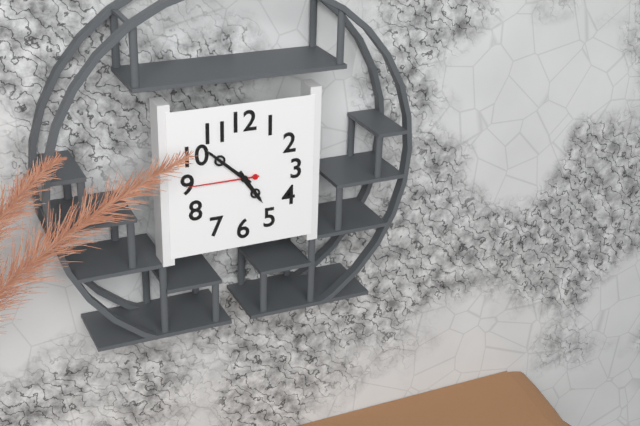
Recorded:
h=4 m=52 s=45
